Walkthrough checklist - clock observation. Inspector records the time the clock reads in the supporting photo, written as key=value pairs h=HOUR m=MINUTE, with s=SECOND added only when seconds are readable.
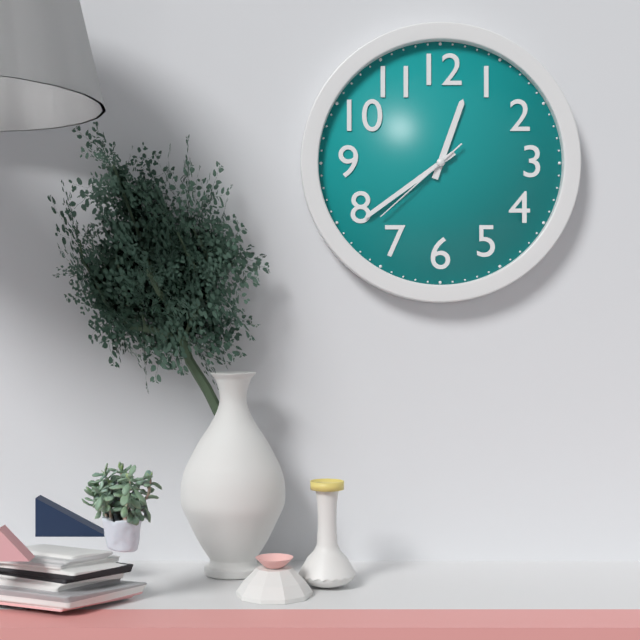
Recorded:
h=12 m=39 s=38
